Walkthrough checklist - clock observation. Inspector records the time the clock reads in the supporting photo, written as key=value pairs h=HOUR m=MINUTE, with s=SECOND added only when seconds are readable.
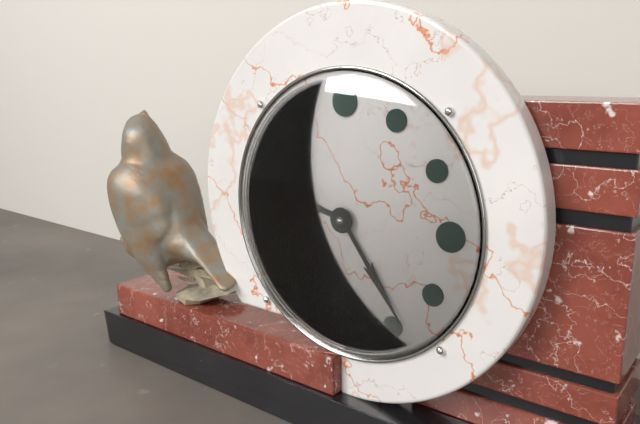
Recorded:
h=9 m=24
